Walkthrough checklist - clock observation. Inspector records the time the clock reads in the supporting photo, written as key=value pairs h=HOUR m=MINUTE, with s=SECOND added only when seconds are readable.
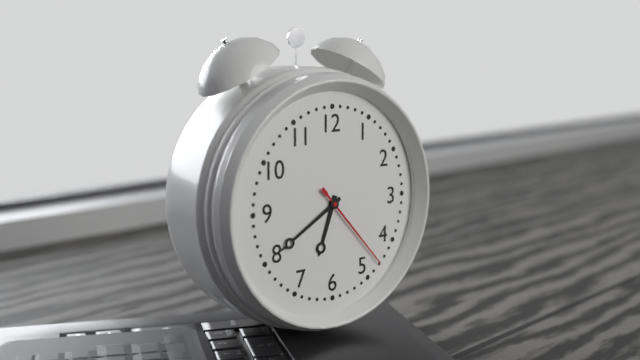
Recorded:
h=6 m=40 s=23
